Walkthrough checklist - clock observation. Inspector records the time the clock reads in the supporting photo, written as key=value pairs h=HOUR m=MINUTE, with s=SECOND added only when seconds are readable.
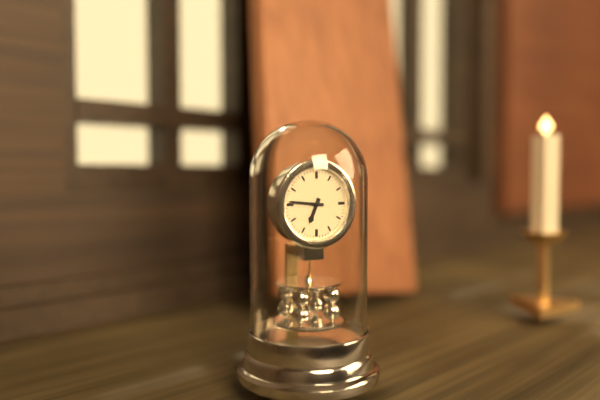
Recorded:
h=6 m=46
